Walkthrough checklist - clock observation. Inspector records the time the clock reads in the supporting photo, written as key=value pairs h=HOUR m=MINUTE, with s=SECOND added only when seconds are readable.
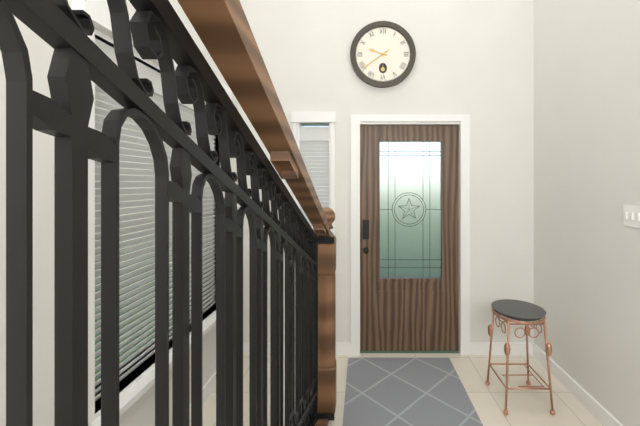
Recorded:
h=9 m=39
